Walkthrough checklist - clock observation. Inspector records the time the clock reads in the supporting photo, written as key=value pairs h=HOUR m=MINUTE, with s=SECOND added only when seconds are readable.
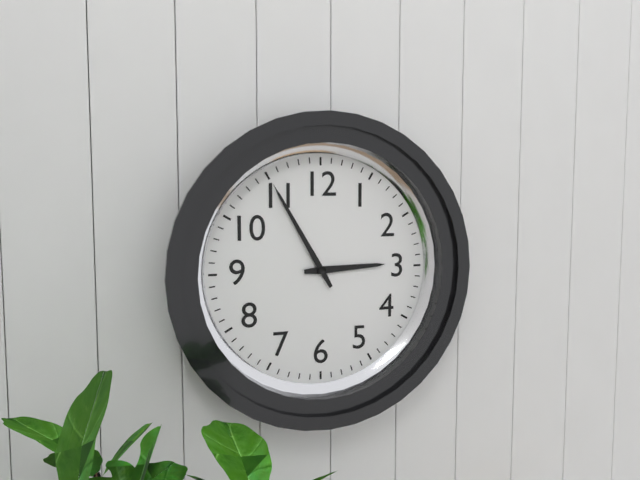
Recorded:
h=2 m=55
